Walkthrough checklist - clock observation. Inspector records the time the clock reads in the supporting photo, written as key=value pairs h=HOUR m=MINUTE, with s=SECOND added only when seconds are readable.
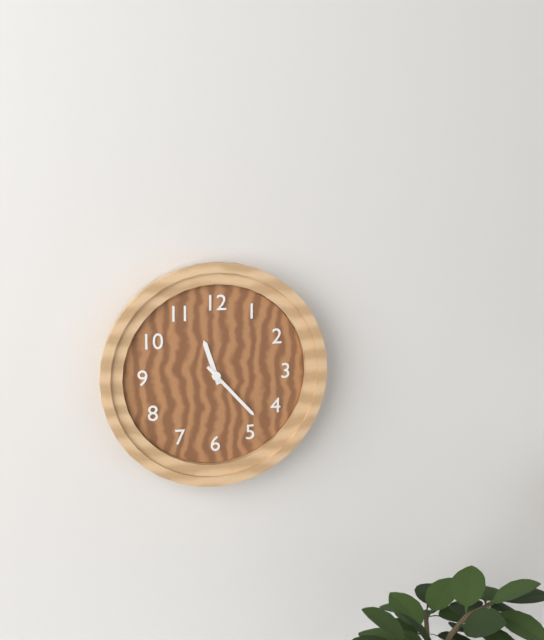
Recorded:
h=11 m=23
